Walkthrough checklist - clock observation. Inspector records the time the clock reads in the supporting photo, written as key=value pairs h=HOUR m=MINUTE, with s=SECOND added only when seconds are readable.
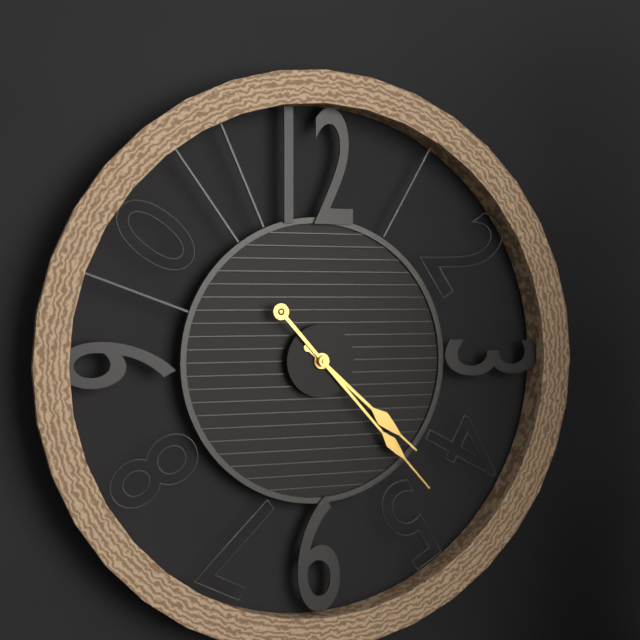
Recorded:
h=4 m=23
